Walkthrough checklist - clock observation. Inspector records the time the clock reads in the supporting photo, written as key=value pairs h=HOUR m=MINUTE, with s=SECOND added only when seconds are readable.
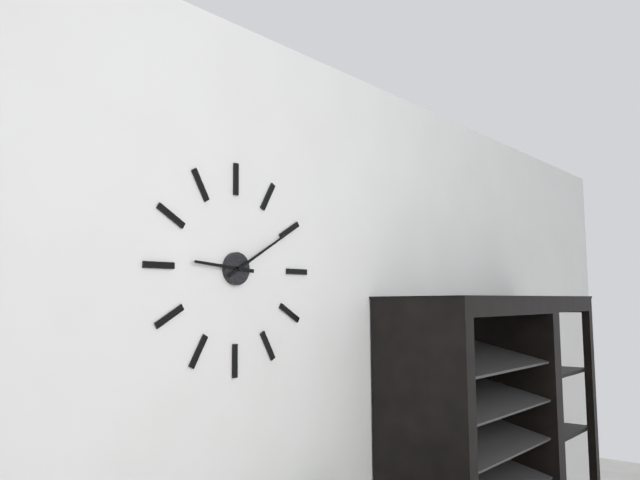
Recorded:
h=9 m=10
